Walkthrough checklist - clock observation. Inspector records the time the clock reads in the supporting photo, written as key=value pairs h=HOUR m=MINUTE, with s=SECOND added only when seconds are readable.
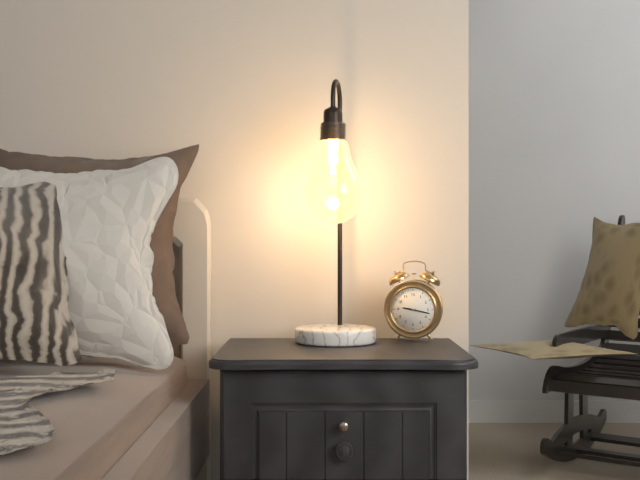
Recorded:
h=9 m=17
